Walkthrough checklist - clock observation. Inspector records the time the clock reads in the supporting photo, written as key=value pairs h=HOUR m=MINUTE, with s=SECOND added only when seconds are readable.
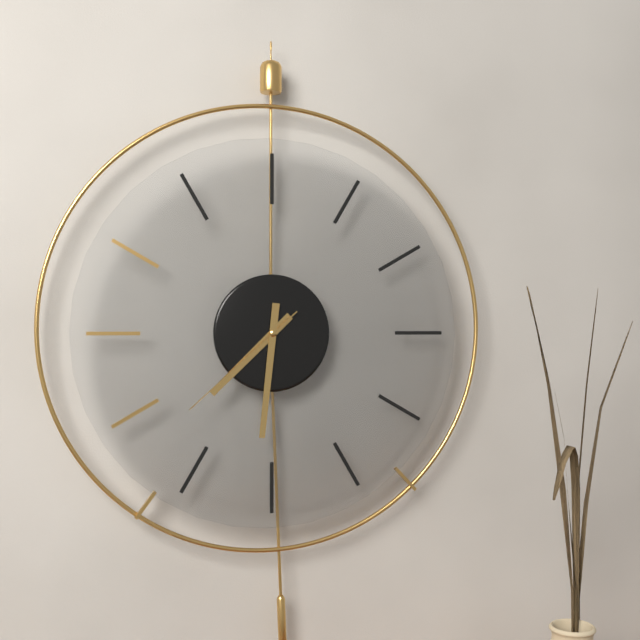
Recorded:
h=7 m=31 s=38
